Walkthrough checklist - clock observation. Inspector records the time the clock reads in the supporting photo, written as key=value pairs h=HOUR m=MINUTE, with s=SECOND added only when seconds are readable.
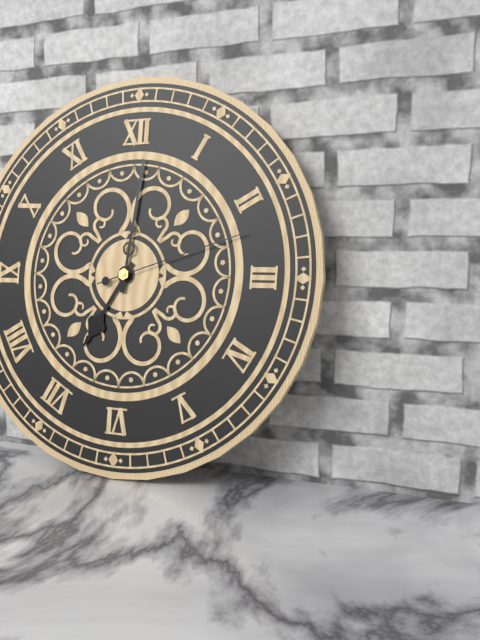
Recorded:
h=7 m=1 s=12
